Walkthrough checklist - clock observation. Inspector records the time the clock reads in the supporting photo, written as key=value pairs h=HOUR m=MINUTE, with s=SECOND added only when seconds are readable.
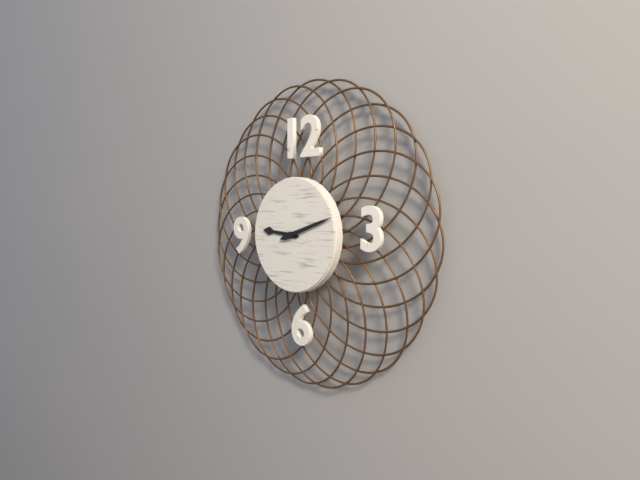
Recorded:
h=9 m=12
